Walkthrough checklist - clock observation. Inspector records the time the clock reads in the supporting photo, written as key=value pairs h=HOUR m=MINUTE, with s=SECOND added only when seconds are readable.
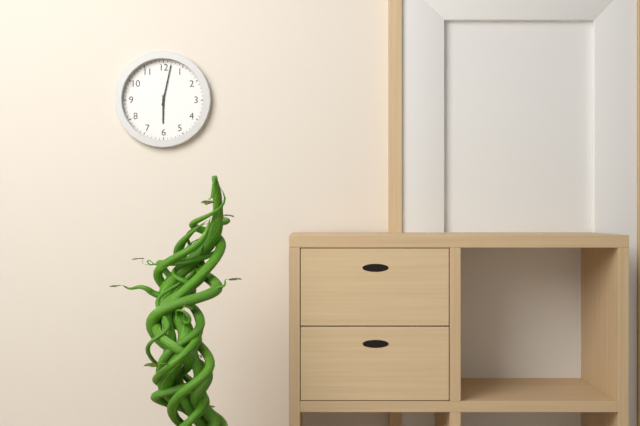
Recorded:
h=6 m=2
